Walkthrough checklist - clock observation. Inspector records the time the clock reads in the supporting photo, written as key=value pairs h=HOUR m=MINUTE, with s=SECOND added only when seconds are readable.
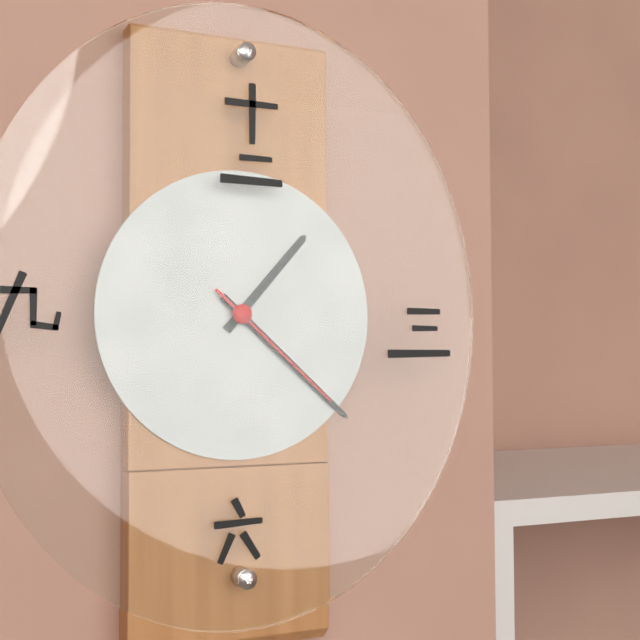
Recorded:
h=1 m=22 s=22
